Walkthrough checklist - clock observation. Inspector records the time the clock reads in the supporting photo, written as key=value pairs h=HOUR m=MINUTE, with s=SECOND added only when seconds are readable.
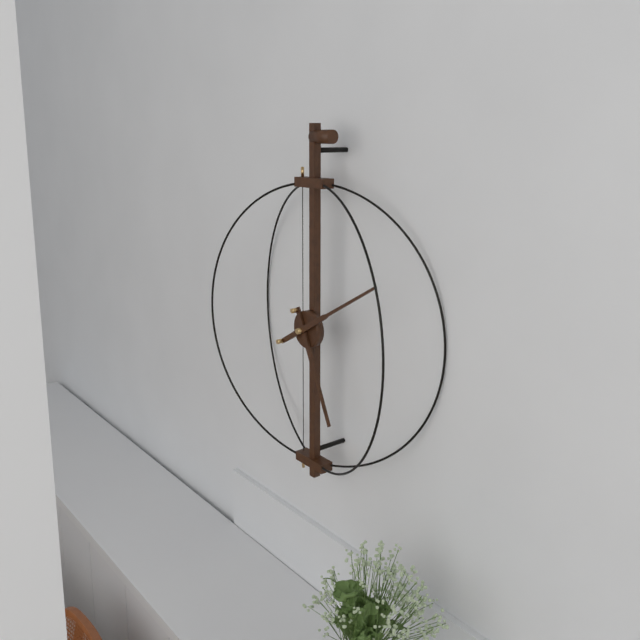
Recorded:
h=5 m=10
